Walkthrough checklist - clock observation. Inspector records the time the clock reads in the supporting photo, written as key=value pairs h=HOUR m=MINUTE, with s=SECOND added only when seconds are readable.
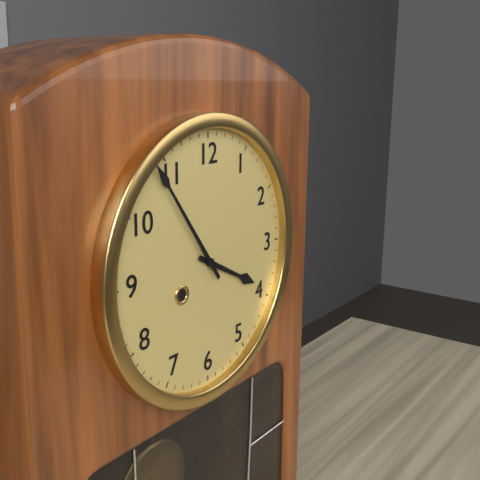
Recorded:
h=3 m=54
